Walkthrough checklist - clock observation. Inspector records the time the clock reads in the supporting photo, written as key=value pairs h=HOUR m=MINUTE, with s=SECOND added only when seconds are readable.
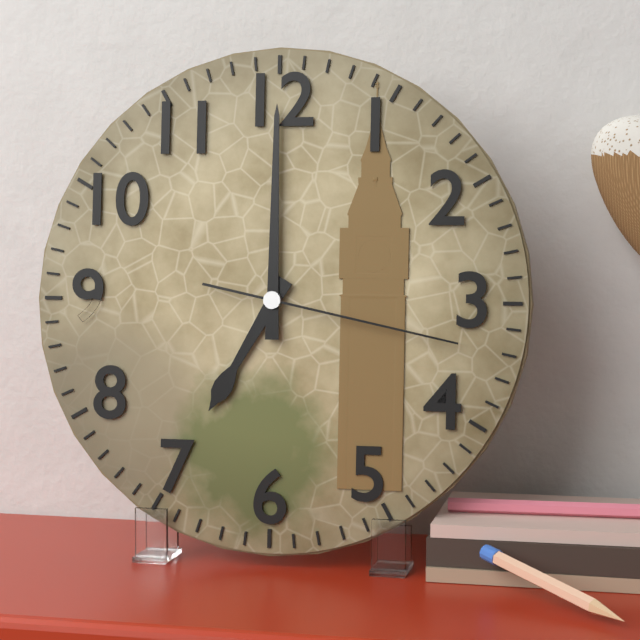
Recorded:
h=7 m=0 s=17
